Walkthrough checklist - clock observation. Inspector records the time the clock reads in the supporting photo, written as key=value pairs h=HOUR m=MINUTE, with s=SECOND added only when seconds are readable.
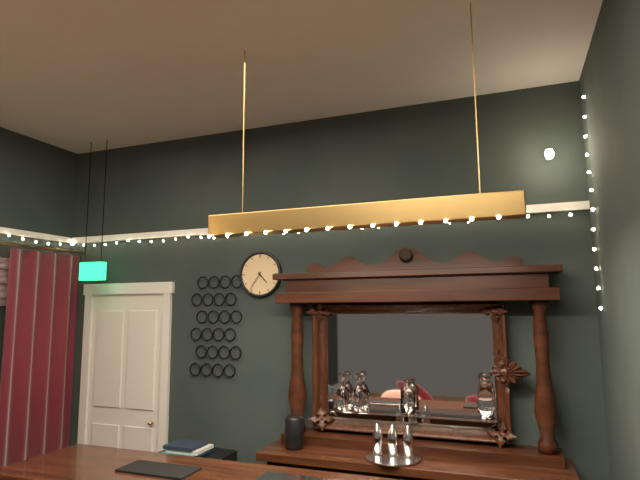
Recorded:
h=4 m=36
